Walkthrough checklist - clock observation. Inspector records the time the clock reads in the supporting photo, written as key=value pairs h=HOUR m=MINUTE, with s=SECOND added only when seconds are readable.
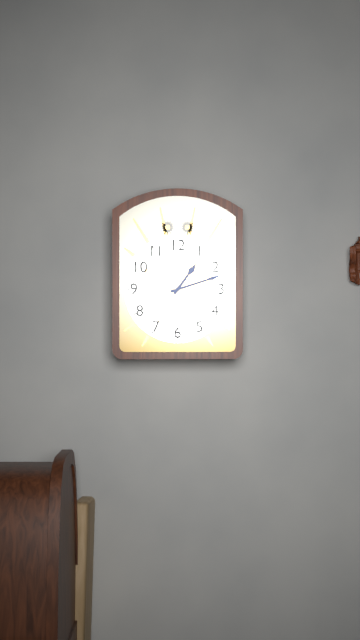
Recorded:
h=1 m=12
